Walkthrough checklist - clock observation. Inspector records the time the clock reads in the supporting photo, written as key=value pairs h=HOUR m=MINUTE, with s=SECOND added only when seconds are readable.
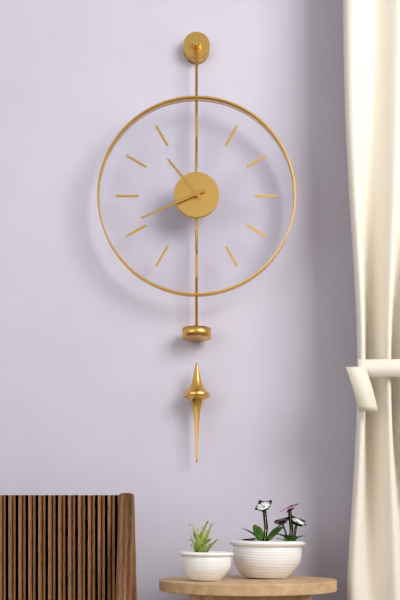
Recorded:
h=10 m=41
